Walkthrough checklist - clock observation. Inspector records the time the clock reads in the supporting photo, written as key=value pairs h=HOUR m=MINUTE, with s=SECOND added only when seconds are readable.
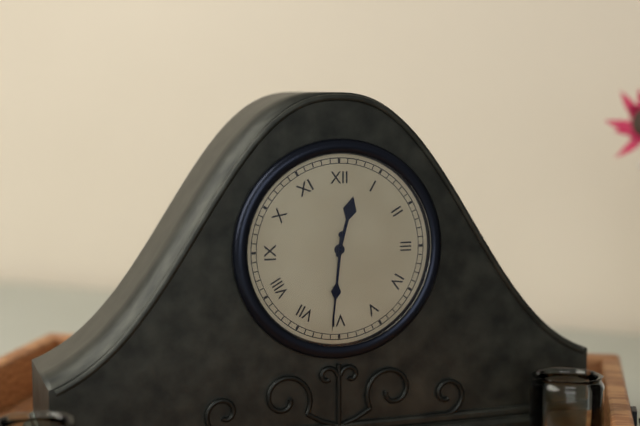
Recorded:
h=12 m=31
